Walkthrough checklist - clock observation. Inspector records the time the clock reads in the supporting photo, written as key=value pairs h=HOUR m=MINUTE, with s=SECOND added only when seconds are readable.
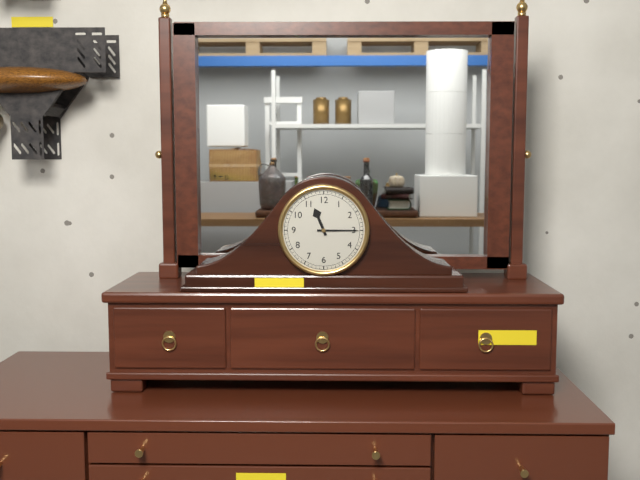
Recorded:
h=11 m=15
